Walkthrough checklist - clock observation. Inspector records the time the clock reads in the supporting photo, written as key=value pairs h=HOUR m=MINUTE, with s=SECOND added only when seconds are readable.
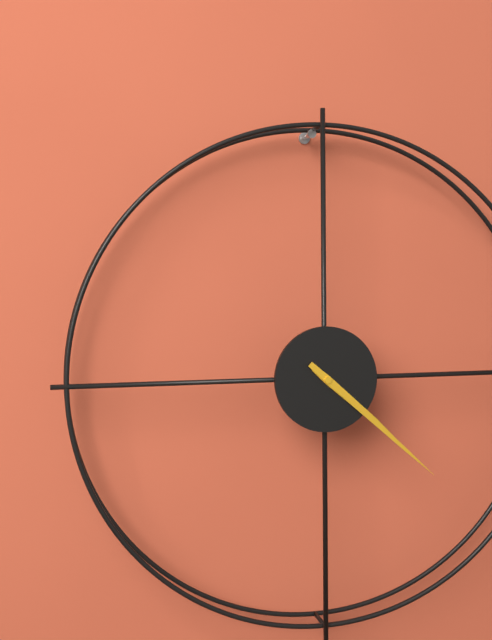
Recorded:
h=4 m=22
